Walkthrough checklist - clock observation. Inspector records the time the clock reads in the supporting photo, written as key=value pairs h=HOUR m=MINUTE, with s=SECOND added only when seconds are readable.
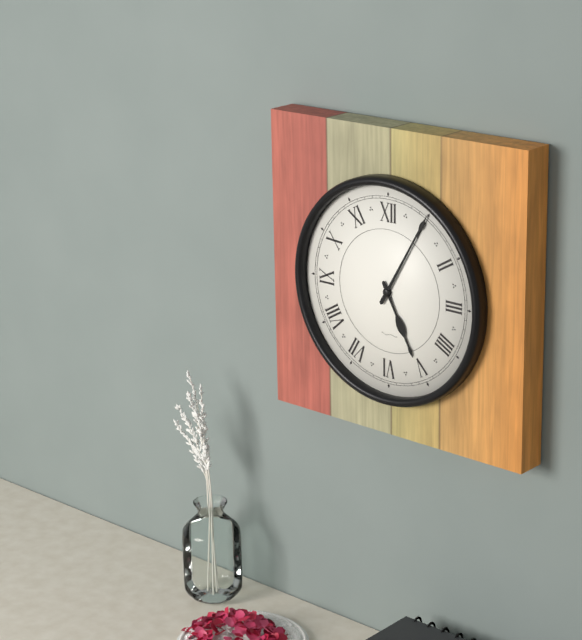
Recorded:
h=5 m=5
